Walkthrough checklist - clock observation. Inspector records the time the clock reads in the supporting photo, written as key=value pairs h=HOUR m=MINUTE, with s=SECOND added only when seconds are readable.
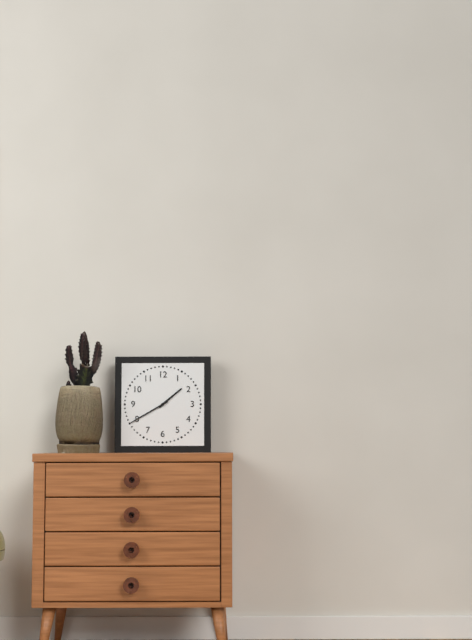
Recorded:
h=1 m=40
